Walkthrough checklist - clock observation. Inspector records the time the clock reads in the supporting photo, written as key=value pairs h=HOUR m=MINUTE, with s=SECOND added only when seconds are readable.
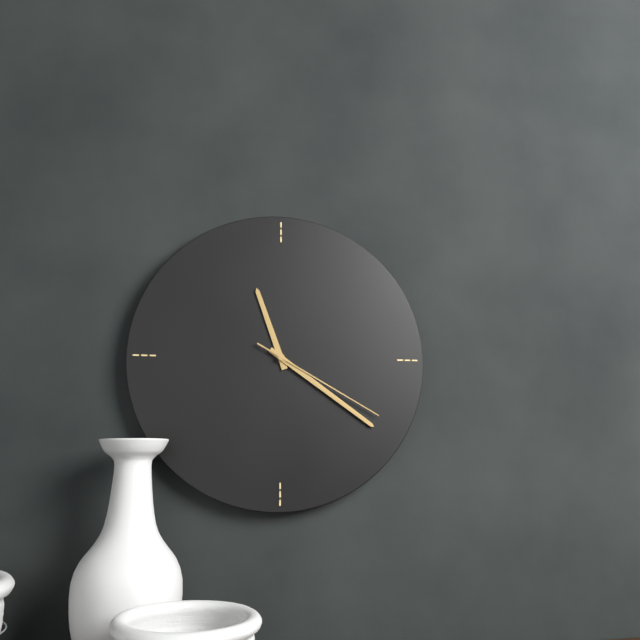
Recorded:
h=11 m=21 s=20
